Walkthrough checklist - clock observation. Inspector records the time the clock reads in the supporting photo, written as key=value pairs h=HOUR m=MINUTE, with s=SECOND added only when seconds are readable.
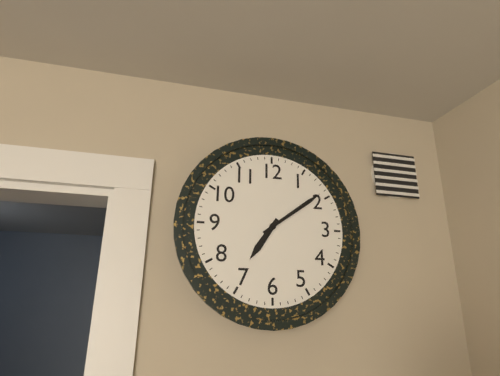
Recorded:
h=7 m=9
